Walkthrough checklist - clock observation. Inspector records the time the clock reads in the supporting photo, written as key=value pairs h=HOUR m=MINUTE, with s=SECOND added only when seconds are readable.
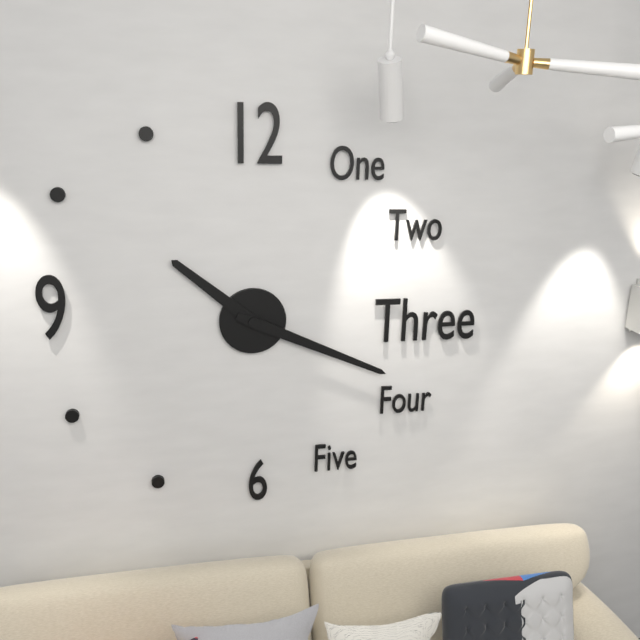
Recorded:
h=10 m=19
